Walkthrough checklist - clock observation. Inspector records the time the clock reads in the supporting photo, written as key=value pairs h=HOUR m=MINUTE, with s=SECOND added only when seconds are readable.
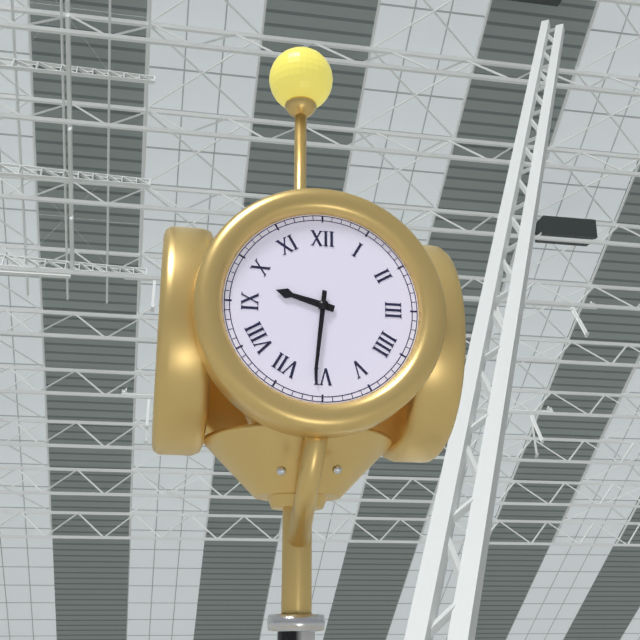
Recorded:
h=9 m=31
